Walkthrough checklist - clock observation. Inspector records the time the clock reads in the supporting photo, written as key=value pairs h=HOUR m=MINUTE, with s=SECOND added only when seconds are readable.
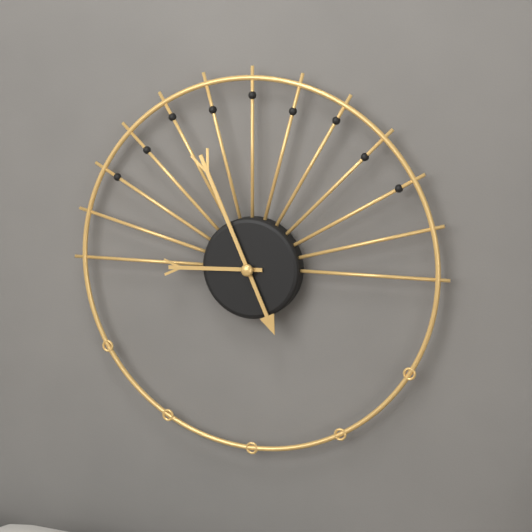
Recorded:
h=8 m=56
